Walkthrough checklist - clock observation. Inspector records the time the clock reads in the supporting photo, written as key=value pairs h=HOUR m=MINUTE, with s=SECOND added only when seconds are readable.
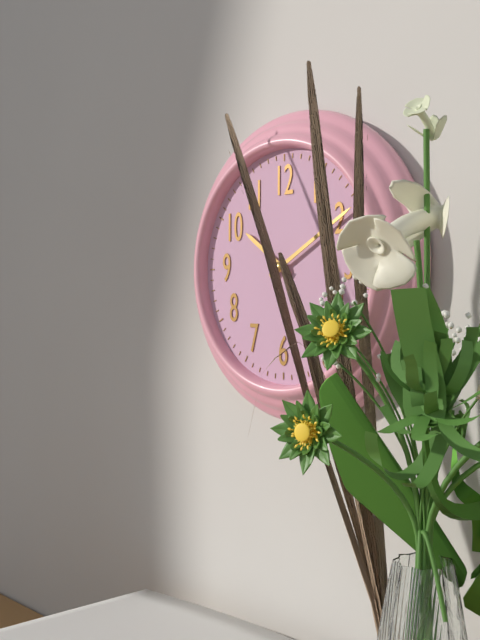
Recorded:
h=10 m=10
